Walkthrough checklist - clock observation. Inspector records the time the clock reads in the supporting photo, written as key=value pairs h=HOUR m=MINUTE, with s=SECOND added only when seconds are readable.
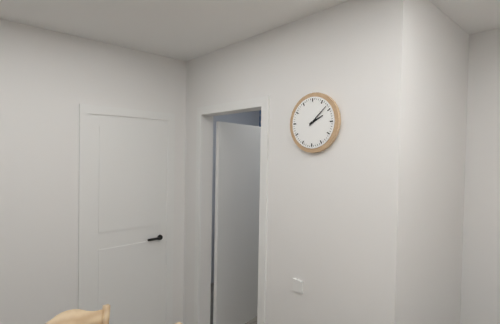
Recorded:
h=2 m=8
